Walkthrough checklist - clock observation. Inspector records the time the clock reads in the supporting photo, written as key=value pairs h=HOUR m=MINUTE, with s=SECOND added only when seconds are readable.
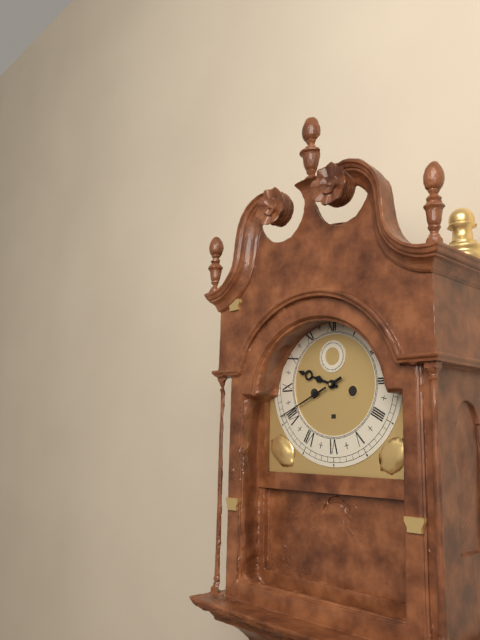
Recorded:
h=9 m=41
